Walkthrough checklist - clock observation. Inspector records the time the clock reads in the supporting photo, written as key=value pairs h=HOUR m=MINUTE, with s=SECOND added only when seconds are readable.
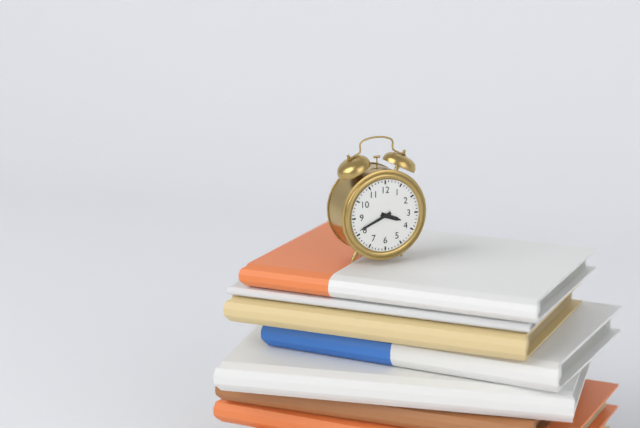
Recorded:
h=3 m=41
